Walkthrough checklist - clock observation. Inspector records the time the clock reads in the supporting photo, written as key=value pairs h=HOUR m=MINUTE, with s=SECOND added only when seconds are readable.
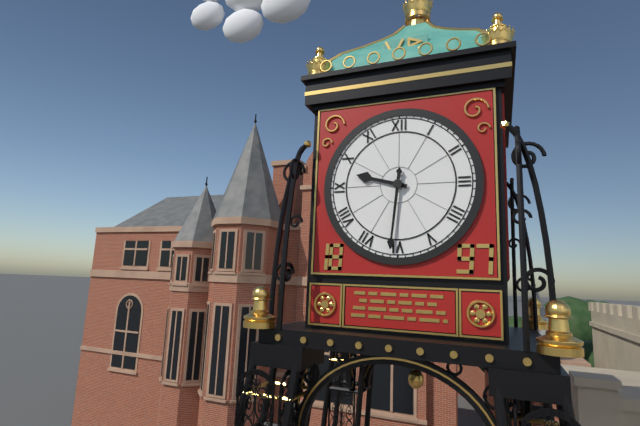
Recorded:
h=9 m=31
